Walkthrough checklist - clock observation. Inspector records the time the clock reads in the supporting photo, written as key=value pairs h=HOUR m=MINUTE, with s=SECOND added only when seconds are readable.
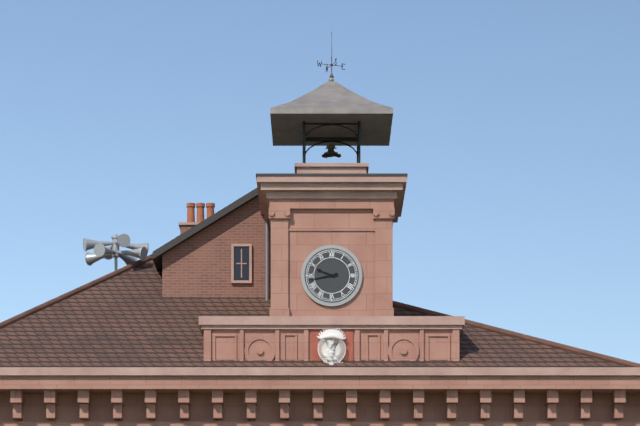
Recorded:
h=9 m=43
